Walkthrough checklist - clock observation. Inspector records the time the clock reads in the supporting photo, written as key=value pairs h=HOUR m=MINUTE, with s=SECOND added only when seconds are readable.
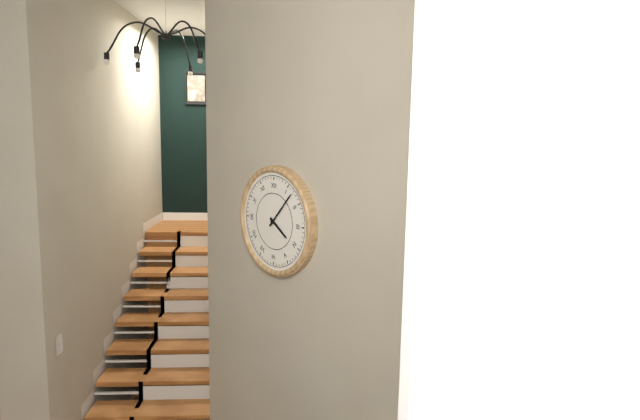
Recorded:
h=4 m=7
